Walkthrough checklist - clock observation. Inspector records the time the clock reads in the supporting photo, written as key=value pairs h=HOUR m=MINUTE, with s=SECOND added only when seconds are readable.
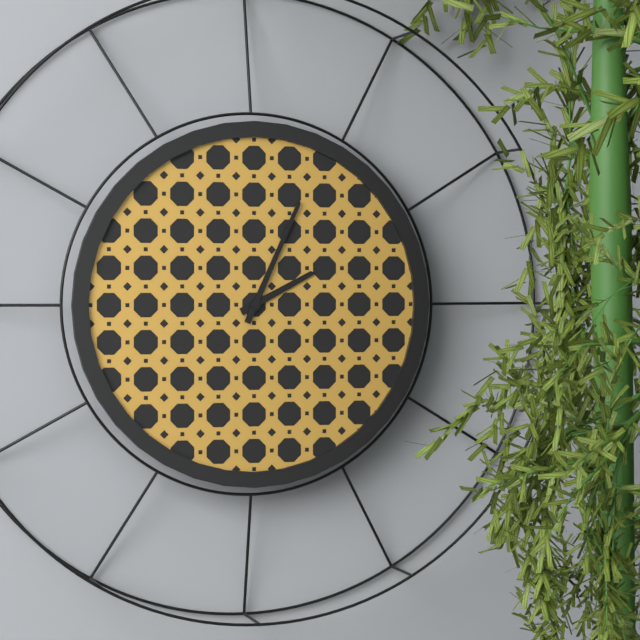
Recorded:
h=2 m=4
